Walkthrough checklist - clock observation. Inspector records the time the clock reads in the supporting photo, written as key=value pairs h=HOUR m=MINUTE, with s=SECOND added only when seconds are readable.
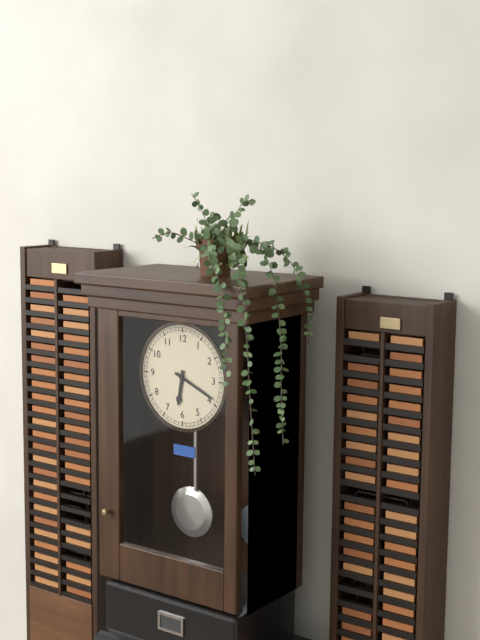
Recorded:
h=6 m=19
